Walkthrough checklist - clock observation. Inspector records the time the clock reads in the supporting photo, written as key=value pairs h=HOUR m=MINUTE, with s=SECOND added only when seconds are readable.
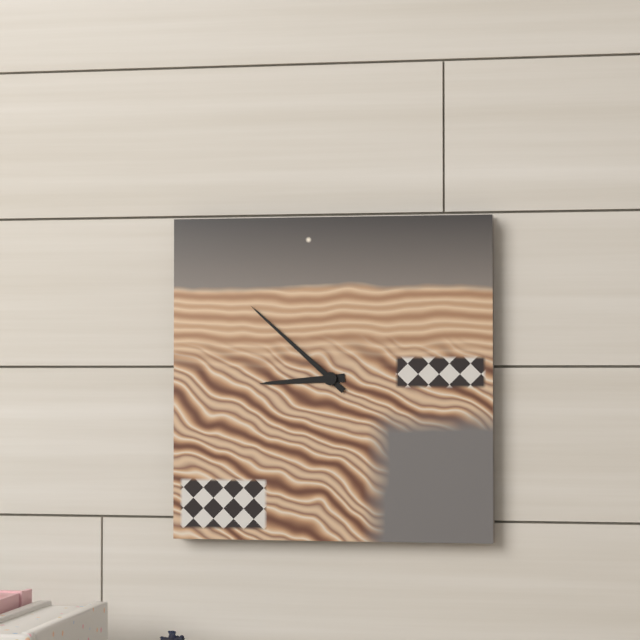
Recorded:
h=8 m=52
